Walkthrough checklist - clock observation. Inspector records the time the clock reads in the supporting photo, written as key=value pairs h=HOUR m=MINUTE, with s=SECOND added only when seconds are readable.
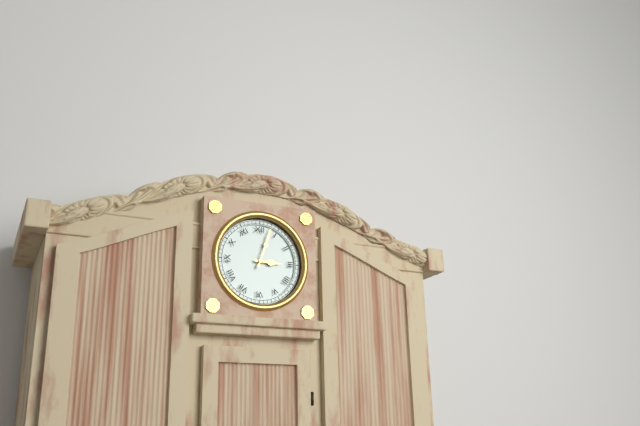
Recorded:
h=3 m=3
